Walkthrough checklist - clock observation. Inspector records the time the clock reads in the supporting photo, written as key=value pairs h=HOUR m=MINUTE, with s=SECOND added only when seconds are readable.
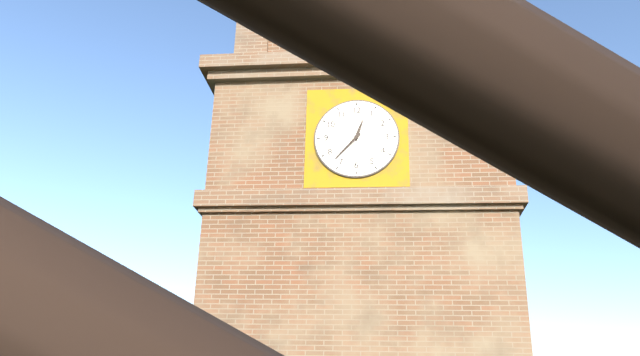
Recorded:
h=12 m=37
